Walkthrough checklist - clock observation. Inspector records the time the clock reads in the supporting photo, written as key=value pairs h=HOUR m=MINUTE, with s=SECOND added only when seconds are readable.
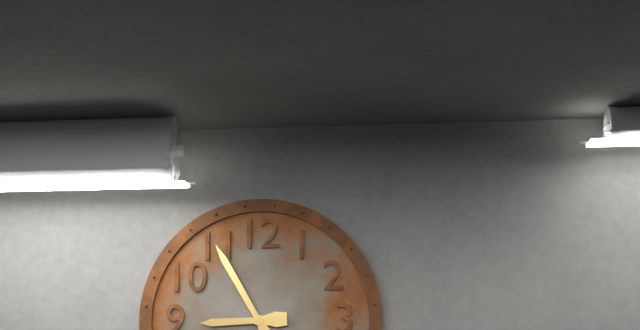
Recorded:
h=8 m=55
